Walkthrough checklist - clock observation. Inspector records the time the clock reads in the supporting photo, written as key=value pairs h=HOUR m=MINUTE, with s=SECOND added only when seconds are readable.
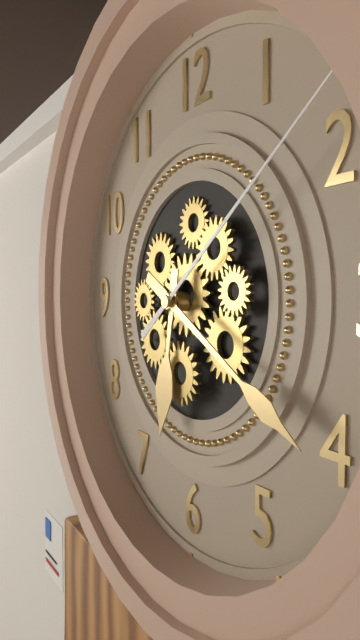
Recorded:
h=6 m=20 s=9
